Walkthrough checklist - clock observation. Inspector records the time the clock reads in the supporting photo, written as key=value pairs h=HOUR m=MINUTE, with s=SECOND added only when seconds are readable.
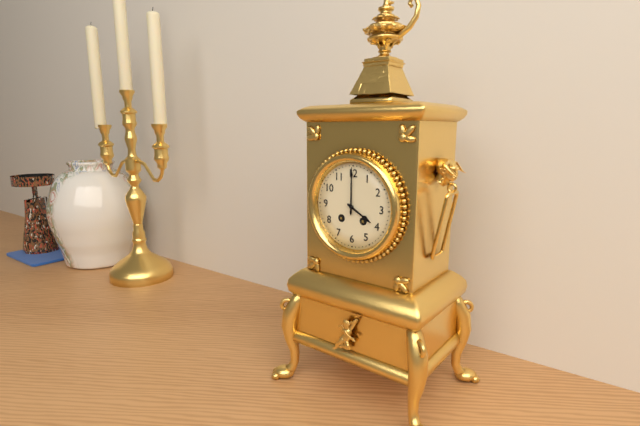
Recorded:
h=4 m=0
